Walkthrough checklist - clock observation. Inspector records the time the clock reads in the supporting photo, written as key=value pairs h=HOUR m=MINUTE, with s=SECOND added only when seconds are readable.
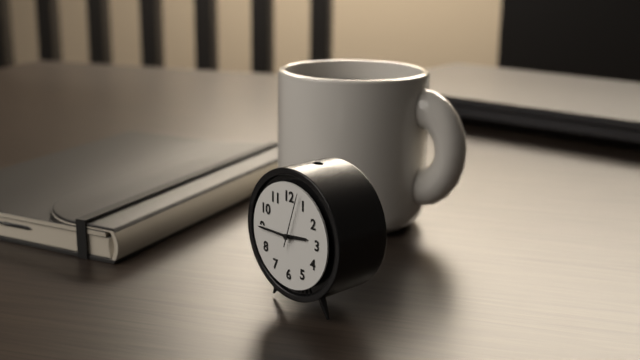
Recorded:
h=2 m=45 s=3
